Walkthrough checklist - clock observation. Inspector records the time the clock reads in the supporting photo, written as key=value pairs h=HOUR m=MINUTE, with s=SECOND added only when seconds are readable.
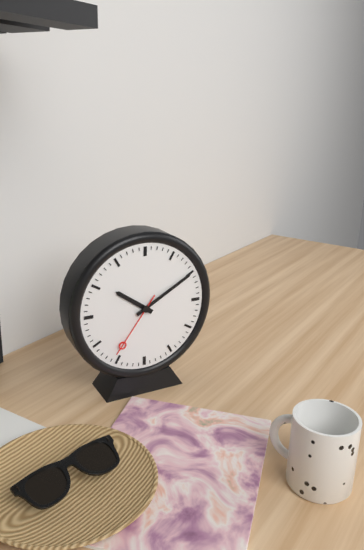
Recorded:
h=10 m=10 s=36
